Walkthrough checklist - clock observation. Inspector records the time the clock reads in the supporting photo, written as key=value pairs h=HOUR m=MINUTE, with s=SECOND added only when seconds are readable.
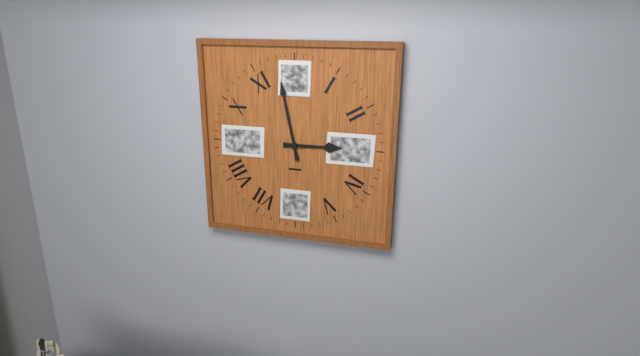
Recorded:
h=2 m=58
